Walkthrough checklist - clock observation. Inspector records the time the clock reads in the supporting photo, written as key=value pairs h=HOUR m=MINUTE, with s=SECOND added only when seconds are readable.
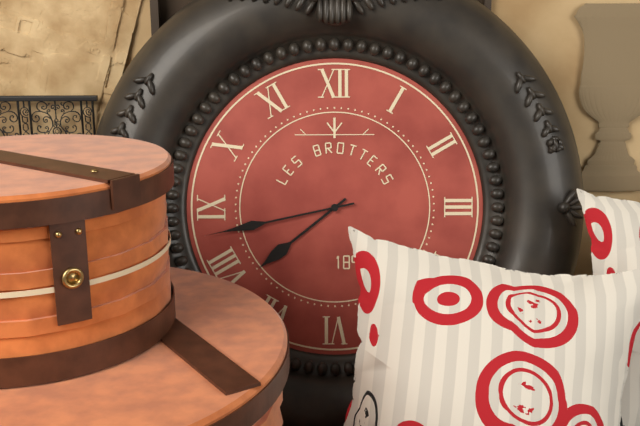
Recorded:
h=7 m=43
